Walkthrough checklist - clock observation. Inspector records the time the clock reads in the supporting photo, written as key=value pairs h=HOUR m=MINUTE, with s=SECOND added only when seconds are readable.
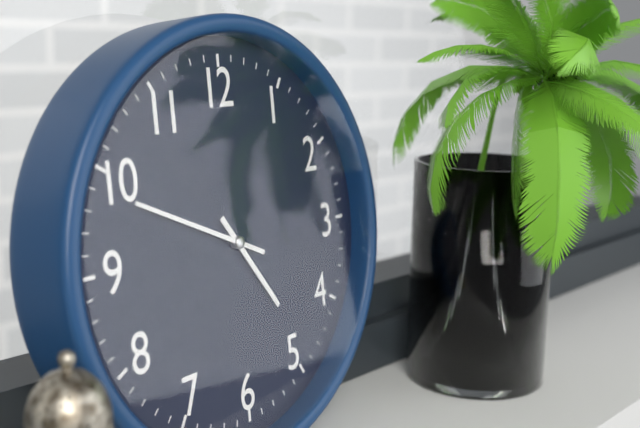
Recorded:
h=4 m=49
